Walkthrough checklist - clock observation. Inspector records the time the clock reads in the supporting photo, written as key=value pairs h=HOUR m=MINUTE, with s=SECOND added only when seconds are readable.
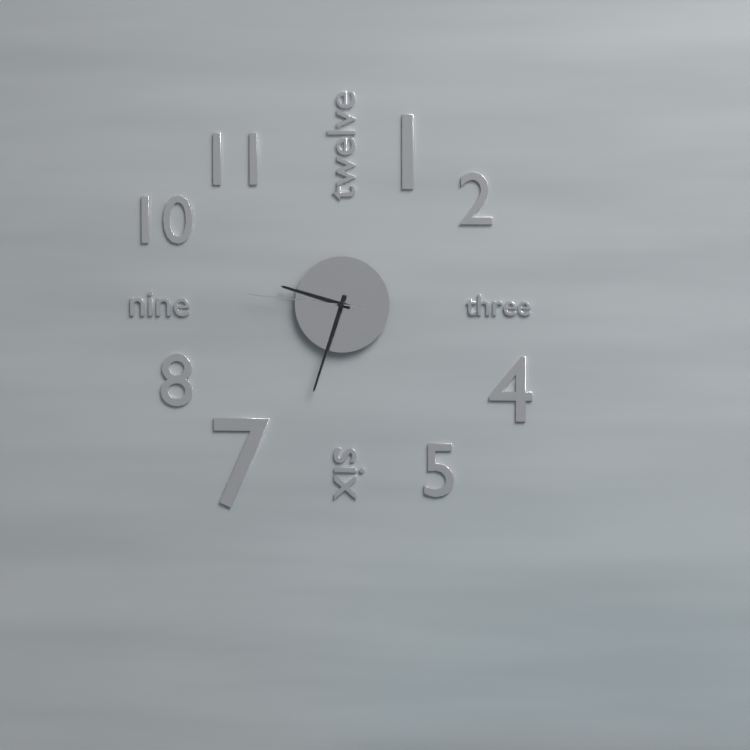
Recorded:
h=9 m=33 s=46
